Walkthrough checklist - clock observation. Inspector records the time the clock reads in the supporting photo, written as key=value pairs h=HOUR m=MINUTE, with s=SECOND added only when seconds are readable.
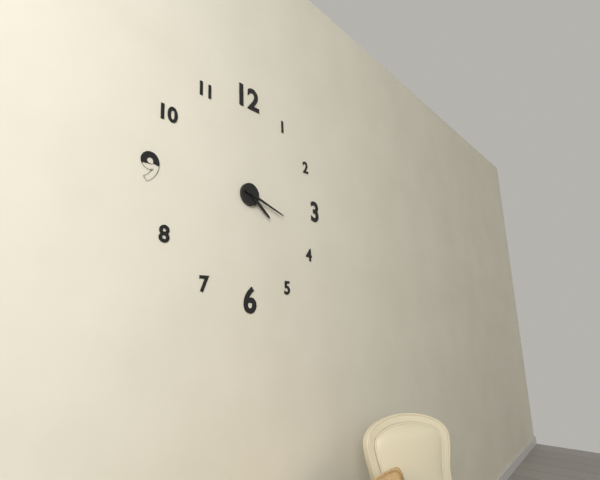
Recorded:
h=4 m=18
